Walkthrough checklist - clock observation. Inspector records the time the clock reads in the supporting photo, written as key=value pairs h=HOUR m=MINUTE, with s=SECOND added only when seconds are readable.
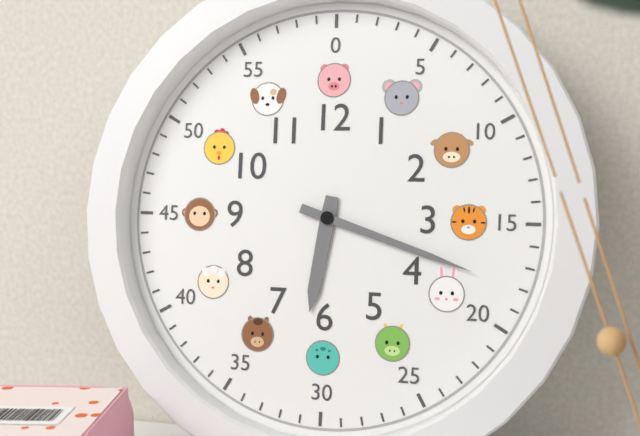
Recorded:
h=6 m=18
